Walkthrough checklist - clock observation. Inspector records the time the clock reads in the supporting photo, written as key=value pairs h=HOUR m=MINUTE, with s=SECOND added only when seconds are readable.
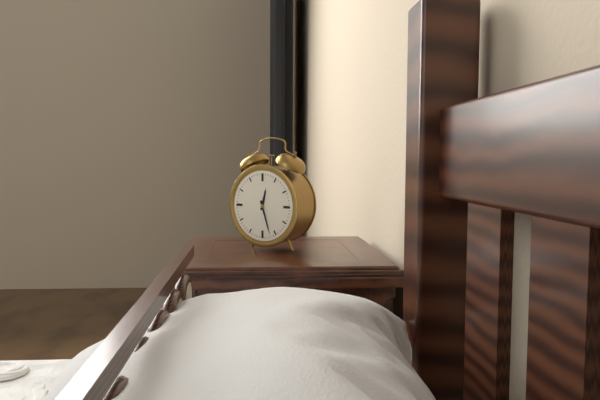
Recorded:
h=12 m=27
